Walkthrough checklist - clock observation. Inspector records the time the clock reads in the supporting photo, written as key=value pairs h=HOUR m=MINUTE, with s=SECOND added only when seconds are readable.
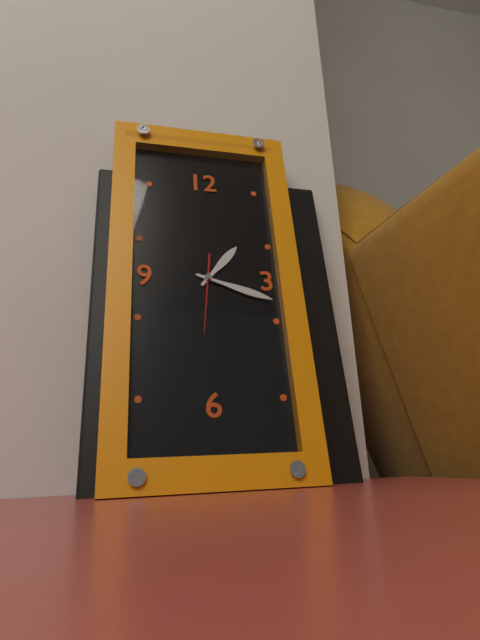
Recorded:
h=1 m=18 s=31
